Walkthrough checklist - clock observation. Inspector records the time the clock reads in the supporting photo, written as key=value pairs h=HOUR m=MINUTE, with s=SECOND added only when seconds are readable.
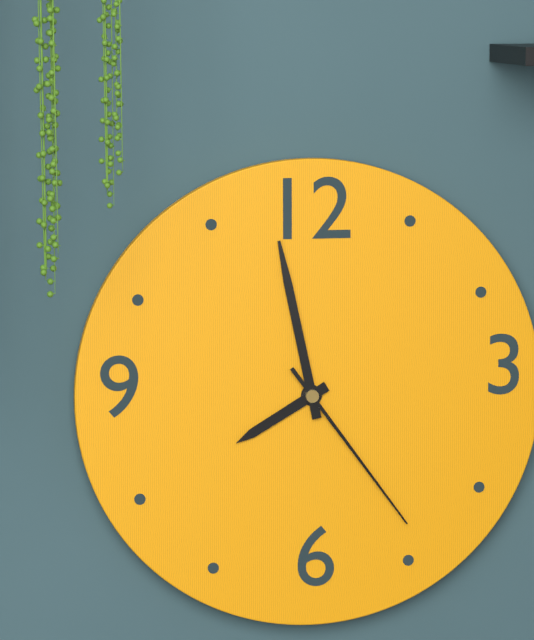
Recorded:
h=7 m=58 s=24
